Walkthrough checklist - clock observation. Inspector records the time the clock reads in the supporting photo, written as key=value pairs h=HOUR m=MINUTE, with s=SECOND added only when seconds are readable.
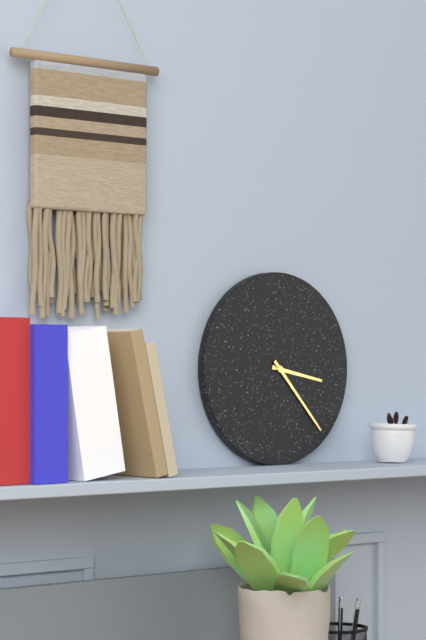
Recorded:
h=3 m=23
